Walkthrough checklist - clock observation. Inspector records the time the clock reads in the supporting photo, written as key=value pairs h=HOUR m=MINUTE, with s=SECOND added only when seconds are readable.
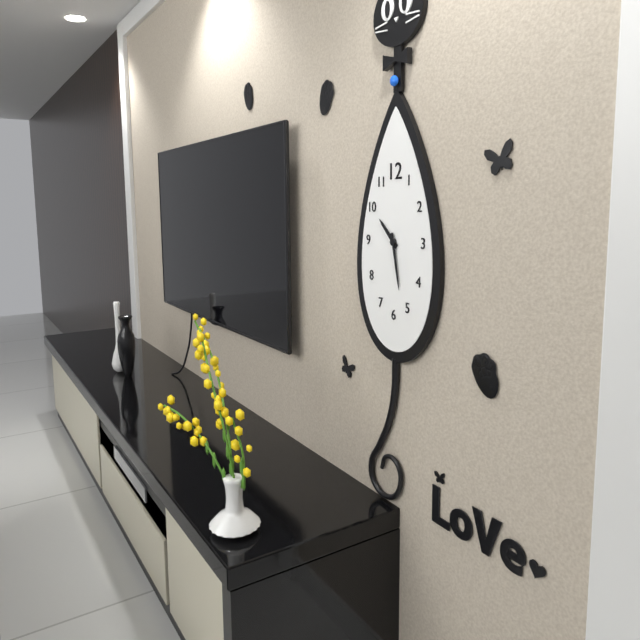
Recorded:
h=10 m=28
